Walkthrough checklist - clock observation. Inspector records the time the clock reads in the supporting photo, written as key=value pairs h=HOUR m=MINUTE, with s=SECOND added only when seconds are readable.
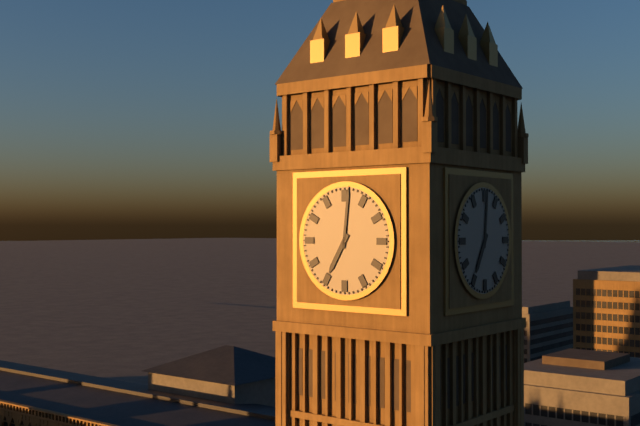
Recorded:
h=7 m=1
